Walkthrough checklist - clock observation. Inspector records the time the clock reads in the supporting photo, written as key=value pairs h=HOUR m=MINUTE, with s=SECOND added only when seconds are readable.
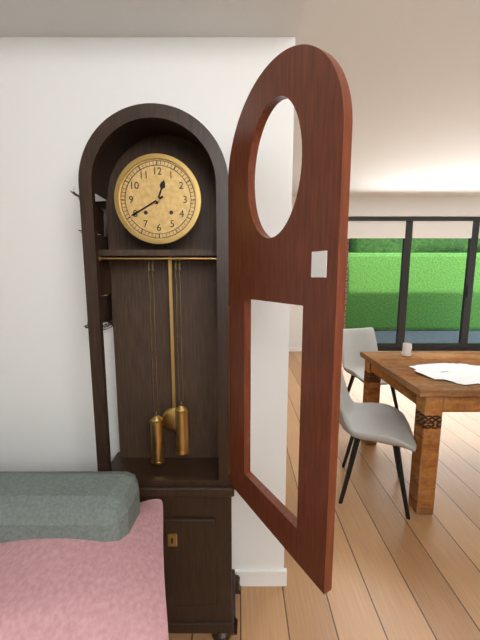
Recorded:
h=12 m=40
